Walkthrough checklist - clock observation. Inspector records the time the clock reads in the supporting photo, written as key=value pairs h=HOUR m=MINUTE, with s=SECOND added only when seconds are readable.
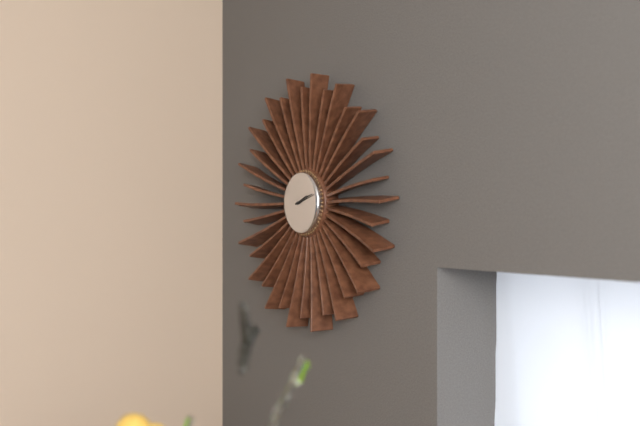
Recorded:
h=2 m=12
